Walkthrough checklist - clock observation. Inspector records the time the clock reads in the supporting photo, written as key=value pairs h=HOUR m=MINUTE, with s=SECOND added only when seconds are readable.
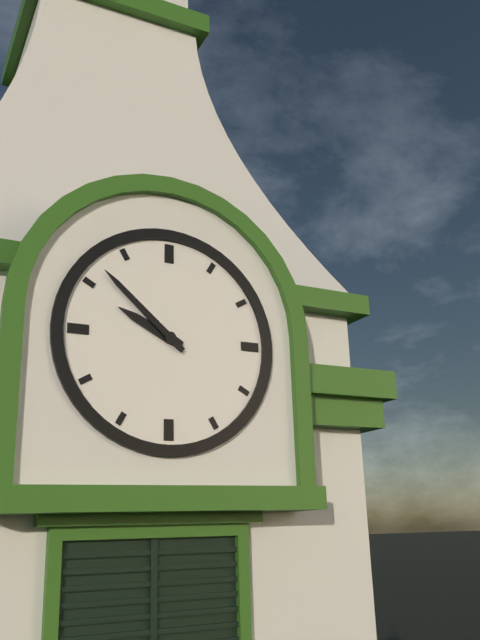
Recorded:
h=9 m=52
